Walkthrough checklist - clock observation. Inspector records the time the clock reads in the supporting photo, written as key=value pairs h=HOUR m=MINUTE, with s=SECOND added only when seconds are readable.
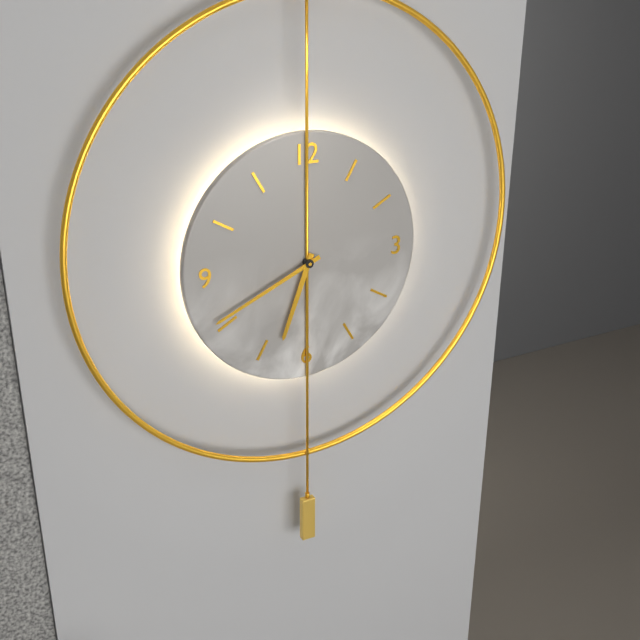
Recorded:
h=6 m=41
